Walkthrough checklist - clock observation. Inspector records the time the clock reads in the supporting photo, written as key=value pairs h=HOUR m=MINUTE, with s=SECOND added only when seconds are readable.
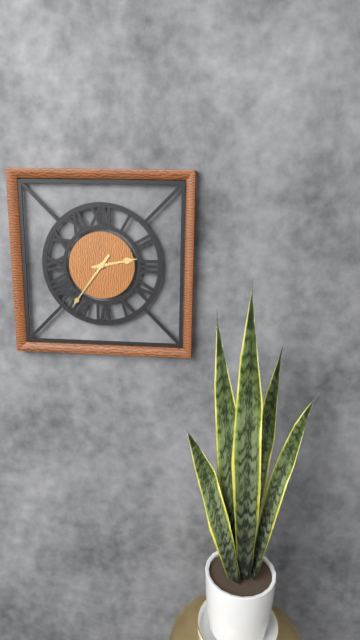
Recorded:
h=2 m=36
